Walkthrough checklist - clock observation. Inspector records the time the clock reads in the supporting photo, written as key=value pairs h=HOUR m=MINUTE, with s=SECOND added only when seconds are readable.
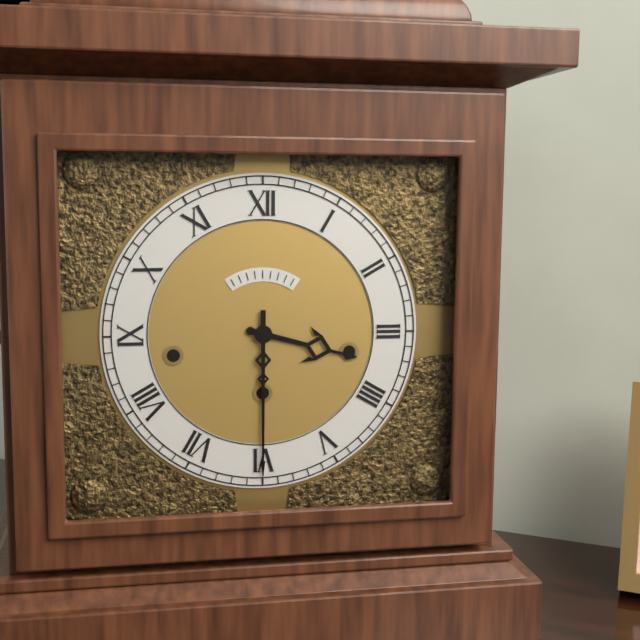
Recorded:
h=3 m=30
